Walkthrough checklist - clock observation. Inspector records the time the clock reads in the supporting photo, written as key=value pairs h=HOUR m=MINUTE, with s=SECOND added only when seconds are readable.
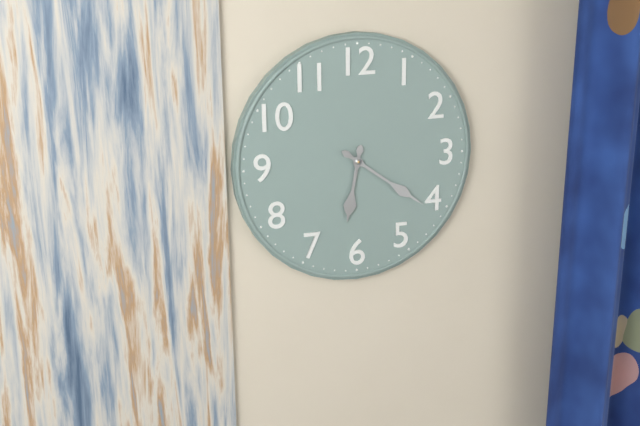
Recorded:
h=6 m=21
